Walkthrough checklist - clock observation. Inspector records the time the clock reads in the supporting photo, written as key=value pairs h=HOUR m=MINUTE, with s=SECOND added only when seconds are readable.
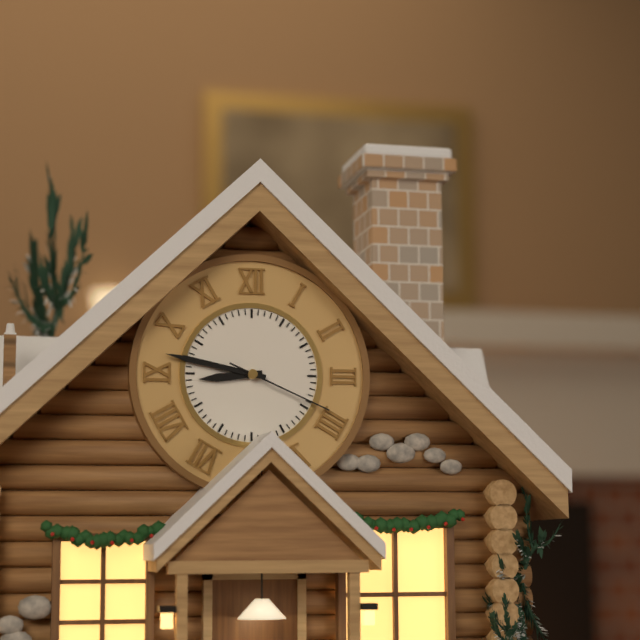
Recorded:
h=8 m=47 s=19
